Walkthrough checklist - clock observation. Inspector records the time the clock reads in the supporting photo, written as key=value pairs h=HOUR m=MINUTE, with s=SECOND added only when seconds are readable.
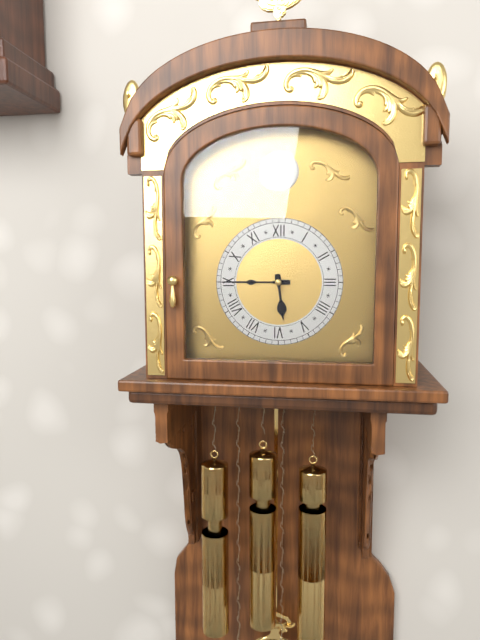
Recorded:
h=5 m=45
